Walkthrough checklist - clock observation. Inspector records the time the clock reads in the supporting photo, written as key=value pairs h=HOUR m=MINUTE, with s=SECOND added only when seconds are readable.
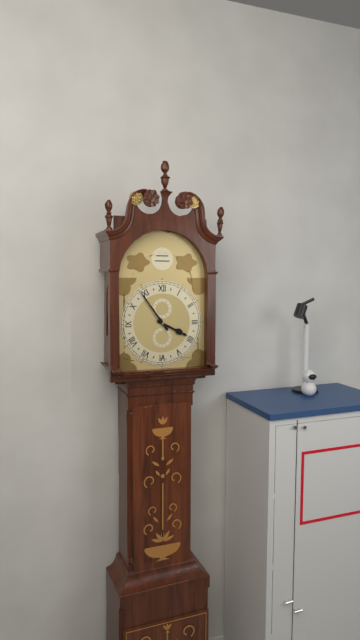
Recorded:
h=3 m=54
